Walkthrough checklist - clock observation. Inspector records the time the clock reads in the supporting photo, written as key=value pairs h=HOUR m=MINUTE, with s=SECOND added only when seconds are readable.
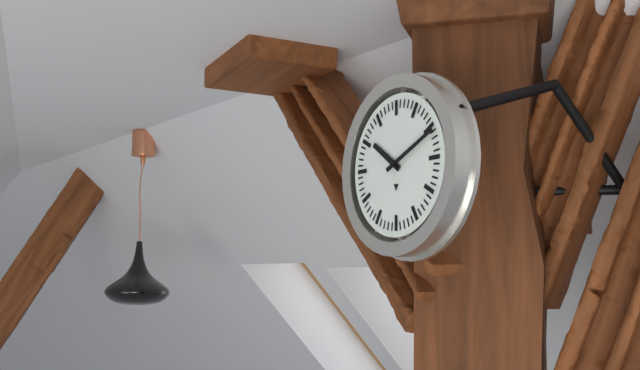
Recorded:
h=10 m=11
